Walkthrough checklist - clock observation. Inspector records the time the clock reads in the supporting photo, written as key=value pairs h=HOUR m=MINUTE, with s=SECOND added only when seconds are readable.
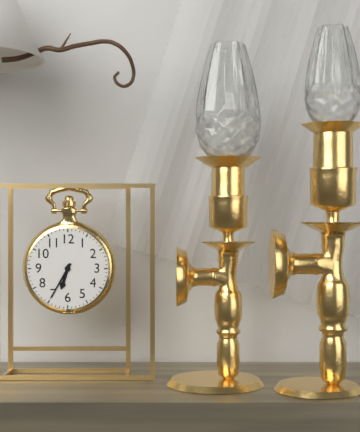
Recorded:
h=6 m=35
